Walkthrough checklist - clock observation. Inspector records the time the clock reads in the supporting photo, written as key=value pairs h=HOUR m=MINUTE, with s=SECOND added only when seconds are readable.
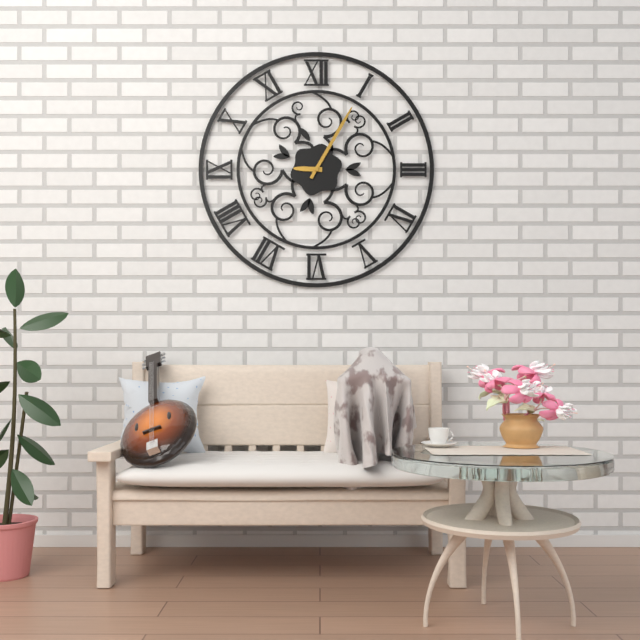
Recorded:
h=9 m=5
